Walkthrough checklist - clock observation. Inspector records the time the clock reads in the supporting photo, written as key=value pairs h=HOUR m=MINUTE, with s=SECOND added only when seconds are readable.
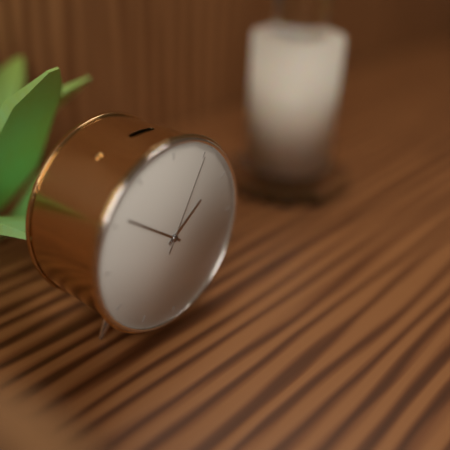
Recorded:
h=1 m=51 s=5
